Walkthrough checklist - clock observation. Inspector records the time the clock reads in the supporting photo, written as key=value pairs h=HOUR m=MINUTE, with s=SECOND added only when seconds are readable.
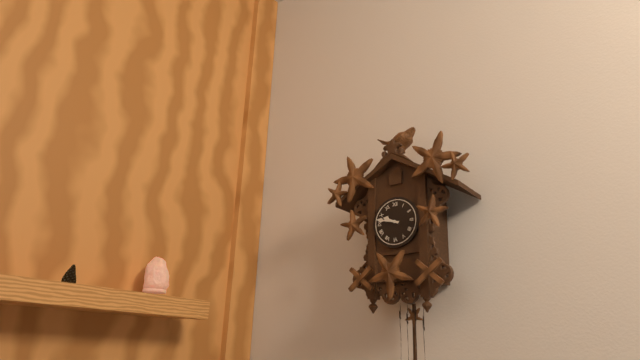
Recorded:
h=9 m=47
